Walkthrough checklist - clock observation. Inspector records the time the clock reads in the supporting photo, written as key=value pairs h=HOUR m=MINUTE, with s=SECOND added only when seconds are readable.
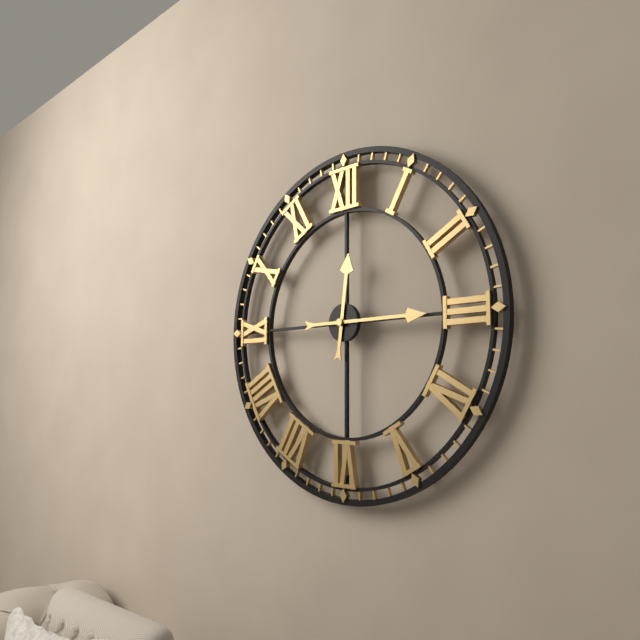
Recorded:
h=12 m=15
